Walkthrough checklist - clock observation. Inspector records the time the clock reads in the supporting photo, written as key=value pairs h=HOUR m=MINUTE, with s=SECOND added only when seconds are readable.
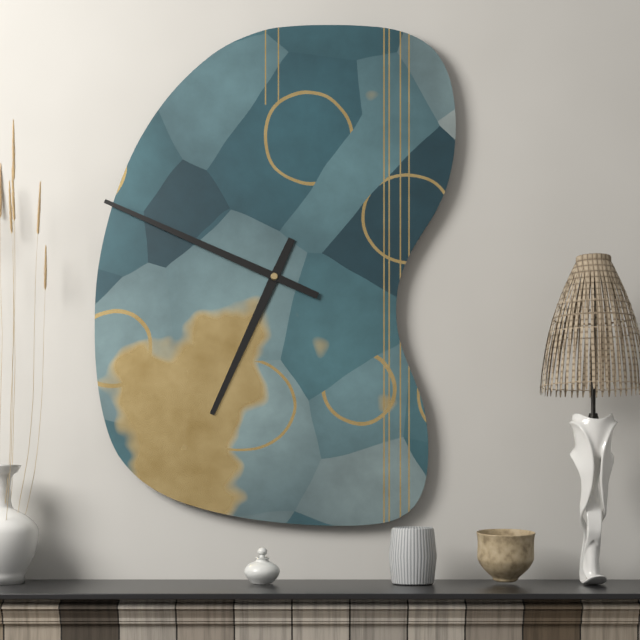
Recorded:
h=6 m=49
